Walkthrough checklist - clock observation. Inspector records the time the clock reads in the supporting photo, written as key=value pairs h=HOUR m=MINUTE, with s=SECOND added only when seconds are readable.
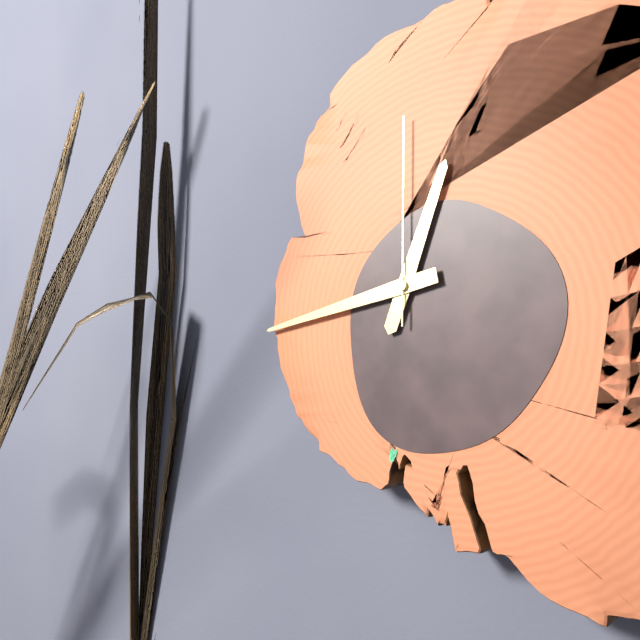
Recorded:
h=12 m=43 s=0
